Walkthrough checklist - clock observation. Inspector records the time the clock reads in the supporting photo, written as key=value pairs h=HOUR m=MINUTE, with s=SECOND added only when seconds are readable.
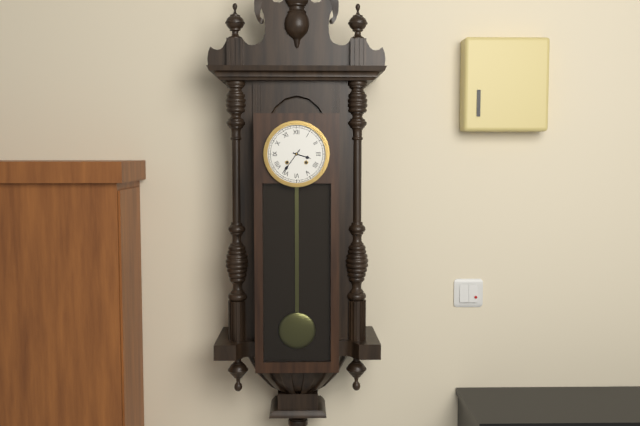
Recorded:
h=3 m=36
